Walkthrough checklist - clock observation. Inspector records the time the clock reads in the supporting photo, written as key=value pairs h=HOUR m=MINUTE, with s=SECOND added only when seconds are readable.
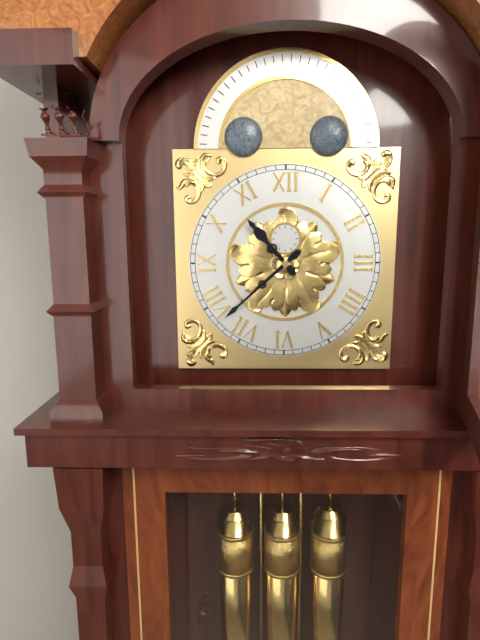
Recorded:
h=10 m=38
